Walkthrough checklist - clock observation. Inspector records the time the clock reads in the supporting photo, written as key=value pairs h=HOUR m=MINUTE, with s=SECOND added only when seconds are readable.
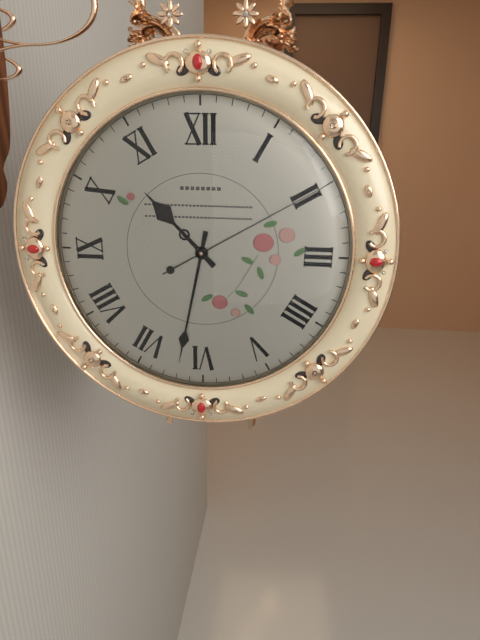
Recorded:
h=10 m=32 s=10
